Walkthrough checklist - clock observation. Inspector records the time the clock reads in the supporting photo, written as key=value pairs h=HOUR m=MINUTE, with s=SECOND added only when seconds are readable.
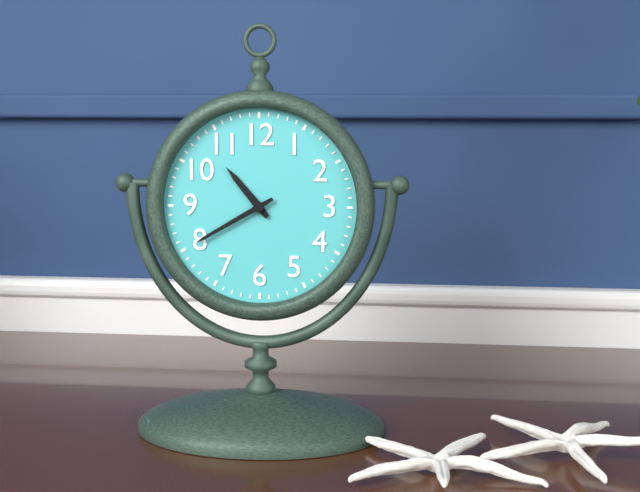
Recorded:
h=10 m=40
